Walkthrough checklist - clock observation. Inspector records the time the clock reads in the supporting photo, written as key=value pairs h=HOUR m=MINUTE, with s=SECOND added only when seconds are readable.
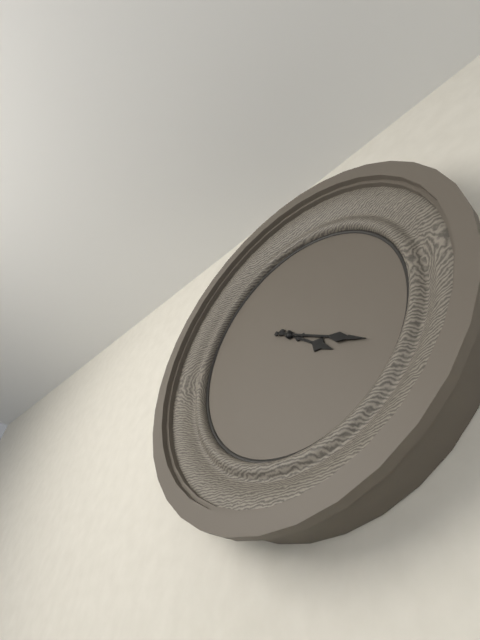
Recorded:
h=4 m=20
